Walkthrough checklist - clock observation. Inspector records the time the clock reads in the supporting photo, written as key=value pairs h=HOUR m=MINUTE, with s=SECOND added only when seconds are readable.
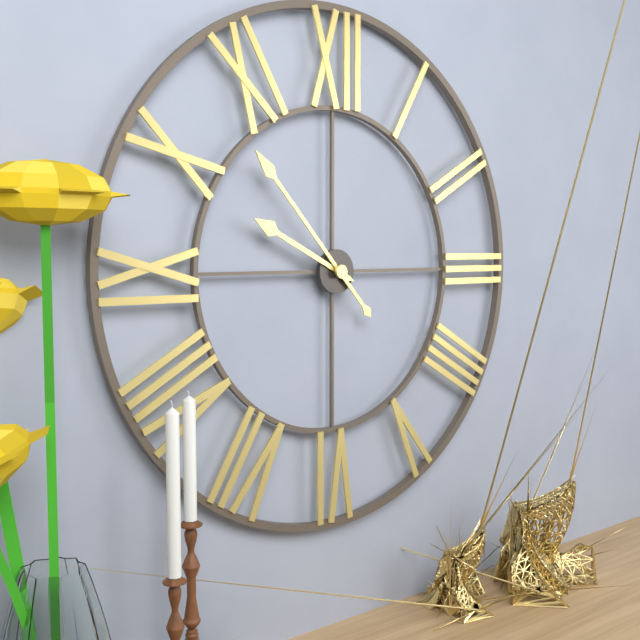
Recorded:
h=9 m=53
